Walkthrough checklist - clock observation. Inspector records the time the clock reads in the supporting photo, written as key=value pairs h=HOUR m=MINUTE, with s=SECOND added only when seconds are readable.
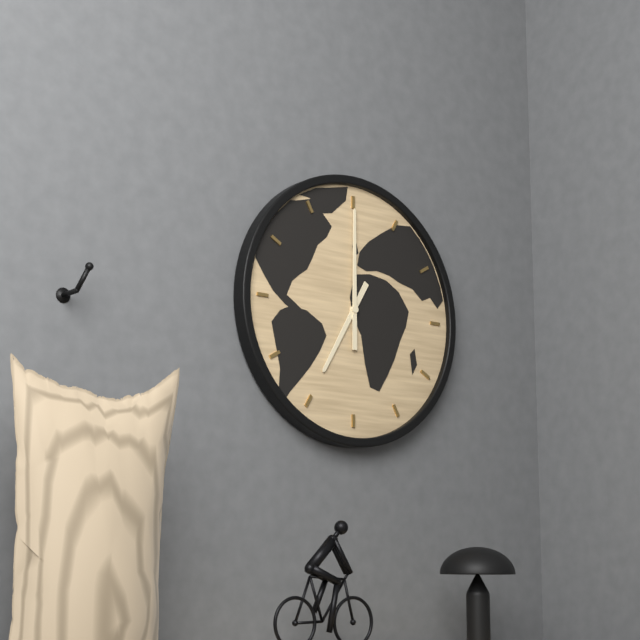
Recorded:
h=7 m=0
